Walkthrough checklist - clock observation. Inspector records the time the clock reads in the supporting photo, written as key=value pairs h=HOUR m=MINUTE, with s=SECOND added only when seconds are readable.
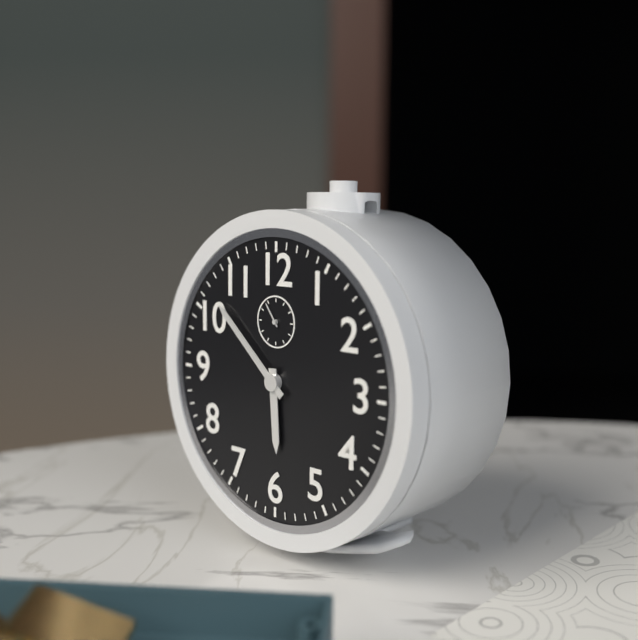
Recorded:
h=5 m=52
